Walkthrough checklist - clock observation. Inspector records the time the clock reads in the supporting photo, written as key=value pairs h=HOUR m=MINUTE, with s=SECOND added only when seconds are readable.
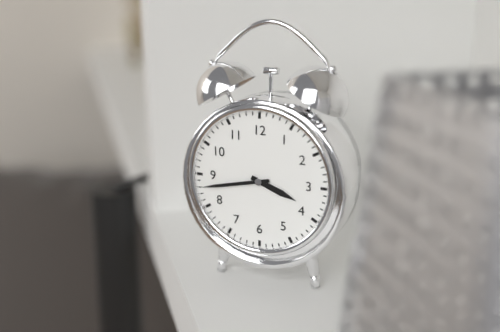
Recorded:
h=3 m=43
